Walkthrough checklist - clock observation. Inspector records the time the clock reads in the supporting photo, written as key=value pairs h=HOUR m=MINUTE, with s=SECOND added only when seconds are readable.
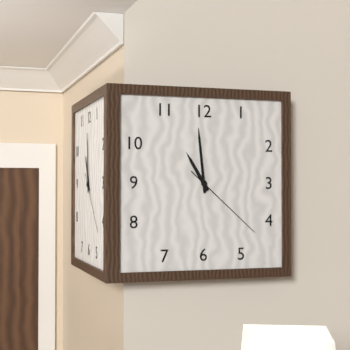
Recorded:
h=10 m=59 s=22
